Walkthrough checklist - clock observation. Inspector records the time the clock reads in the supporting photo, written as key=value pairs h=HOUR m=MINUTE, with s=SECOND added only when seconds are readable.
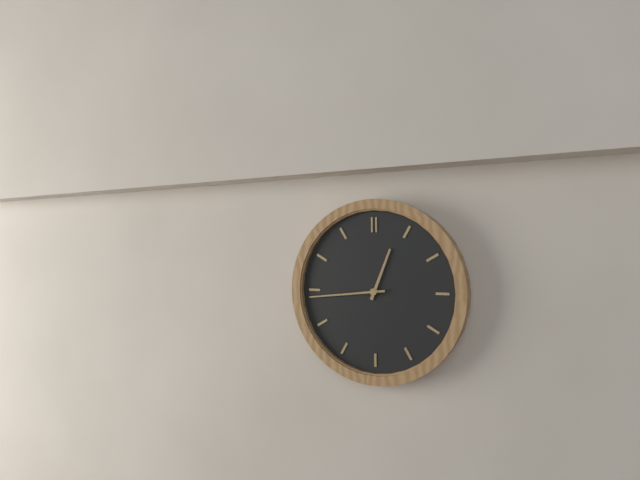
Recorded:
h=12 m=44
